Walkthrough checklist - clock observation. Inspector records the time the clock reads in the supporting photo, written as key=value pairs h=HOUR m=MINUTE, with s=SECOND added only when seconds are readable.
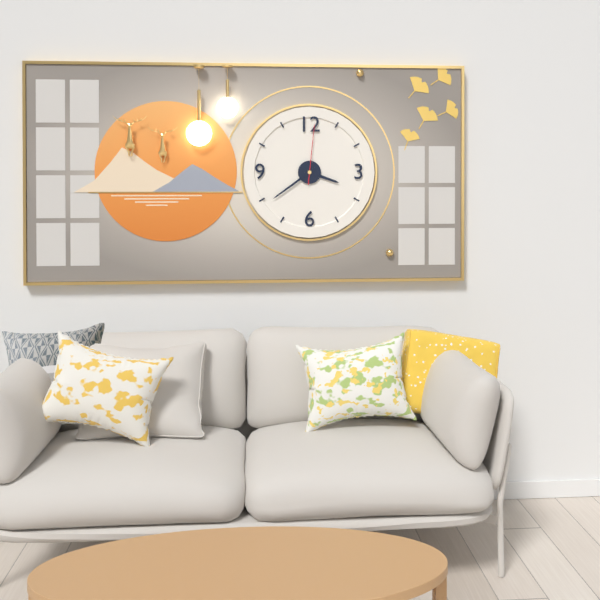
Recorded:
h=3 m=39 s=1
